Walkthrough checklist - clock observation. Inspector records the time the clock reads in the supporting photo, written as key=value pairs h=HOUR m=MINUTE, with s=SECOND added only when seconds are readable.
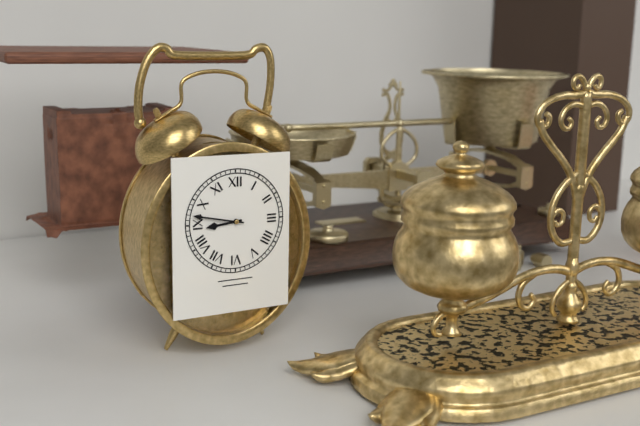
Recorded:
h=8 m=47
